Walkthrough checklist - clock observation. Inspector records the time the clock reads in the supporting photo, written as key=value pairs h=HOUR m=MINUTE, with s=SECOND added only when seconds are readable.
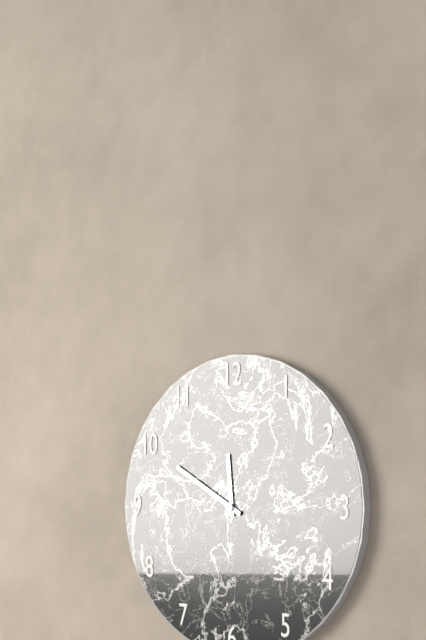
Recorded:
h=11 m=50
